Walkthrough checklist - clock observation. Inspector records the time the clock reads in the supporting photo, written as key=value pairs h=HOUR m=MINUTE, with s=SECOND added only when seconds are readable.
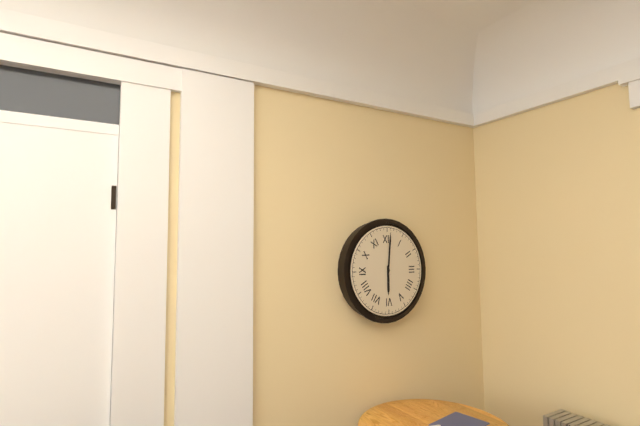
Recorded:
h=6 m=1
